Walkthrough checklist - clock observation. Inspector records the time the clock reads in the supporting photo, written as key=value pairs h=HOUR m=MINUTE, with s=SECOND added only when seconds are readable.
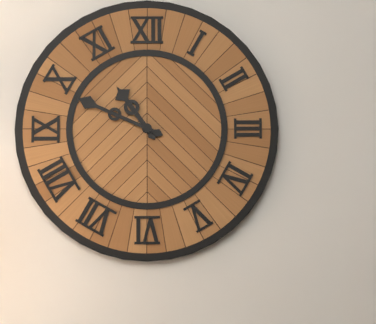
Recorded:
h=10 m=49
